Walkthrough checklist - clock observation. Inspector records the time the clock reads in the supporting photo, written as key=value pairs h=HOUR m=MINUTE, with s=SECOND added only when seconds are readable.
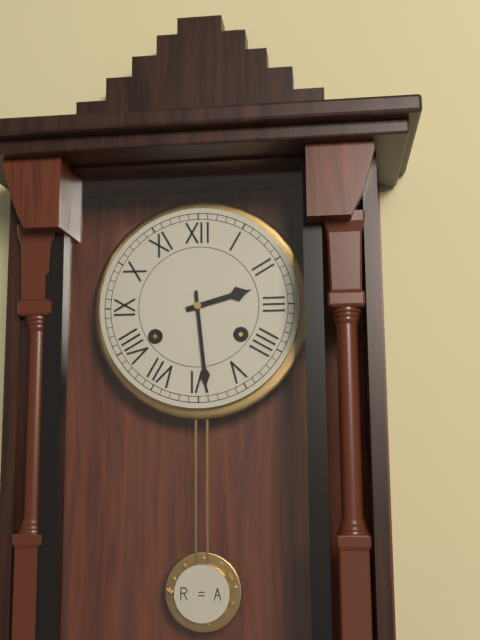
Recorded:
h=2 m=29
